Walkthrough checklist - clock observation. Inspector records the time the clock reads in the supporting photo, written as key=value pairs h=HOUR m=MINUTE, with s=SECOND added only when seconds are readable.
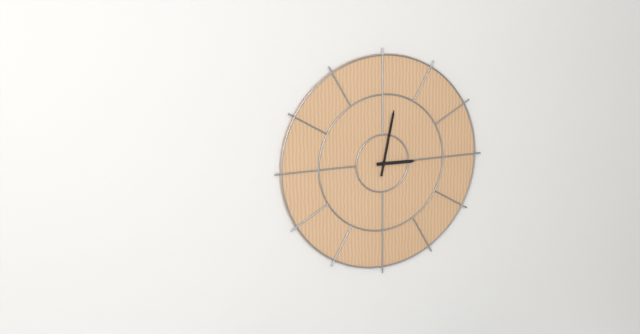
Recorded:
h=3 m=2
